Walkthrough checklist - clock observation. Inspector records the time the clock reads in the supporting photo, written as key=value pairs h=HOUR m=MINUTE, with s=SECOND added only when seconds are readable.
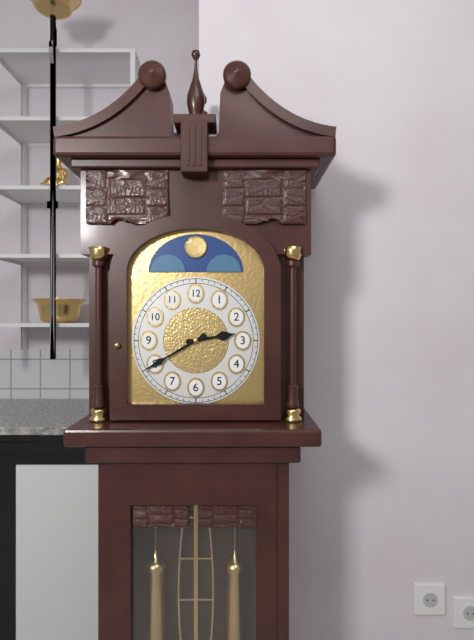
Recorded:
h=2 m=40
